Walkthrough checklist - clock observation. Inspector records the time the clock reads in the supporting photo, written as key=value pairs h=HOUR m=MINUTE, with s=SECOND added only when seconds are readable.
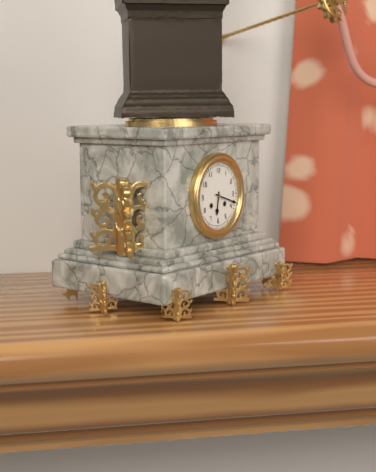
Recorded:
h=6 m=18
